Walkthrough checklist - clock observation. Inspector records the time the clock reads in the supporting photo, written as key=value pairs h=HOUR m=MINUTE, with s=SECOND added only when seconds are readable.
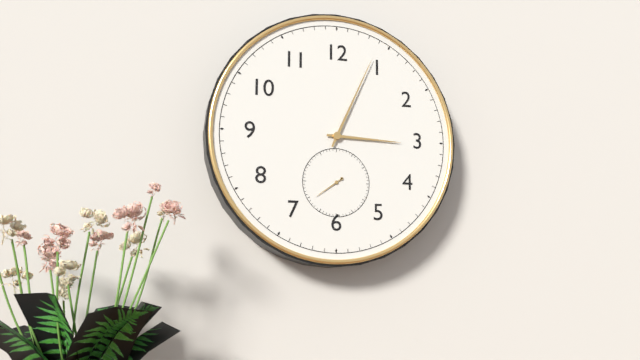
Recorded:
h=3 m=4
